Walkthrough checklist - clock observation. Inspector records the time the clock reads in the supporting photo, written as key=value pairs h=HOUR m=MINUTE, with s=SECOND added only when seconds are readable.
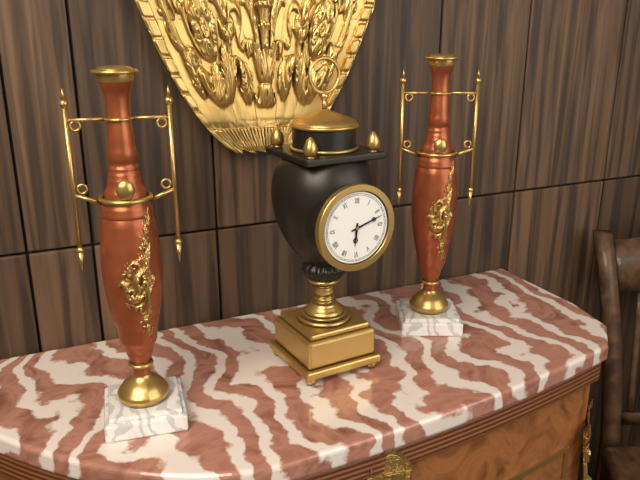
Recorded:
h=6 m=12
